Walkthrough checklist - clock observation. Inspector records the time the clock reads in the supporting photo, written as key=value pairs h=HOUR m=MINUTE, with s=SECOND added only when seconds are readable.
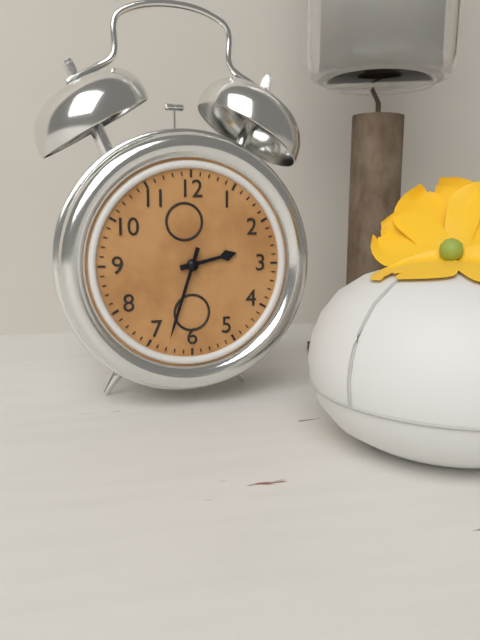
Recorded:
h=2 m=33
